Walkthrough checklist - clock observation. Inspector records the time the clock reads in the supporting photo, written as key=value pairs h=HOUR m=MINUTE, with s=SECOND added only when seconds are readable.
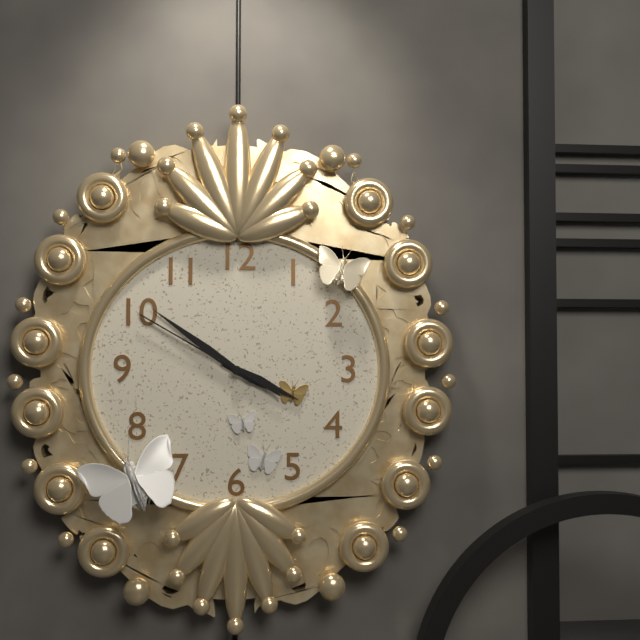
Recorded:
h=3 m=51 s=50
